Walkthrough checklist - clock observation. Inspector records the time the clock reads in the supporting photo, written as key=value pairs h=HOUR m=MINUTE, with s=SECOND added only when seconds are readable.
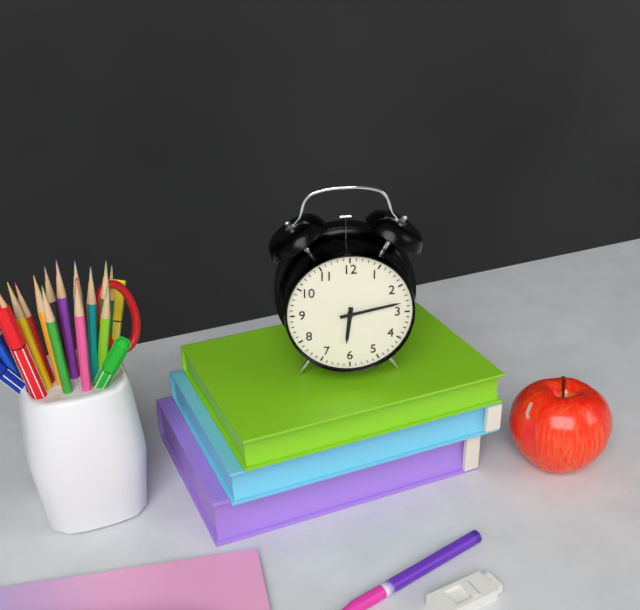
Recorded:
h=6 m=13
